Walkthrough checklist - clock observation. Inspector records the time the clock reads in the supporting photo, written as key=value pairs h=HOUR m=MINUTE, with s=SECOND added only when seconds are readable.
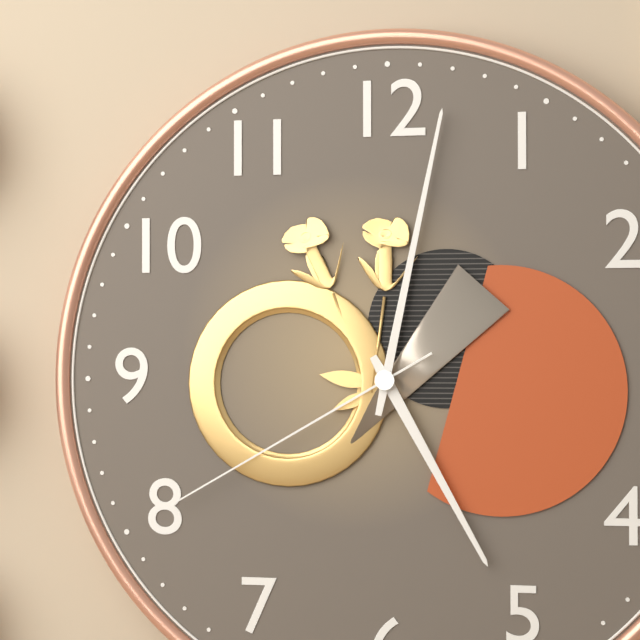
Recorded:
h=5 m=2 s=40
